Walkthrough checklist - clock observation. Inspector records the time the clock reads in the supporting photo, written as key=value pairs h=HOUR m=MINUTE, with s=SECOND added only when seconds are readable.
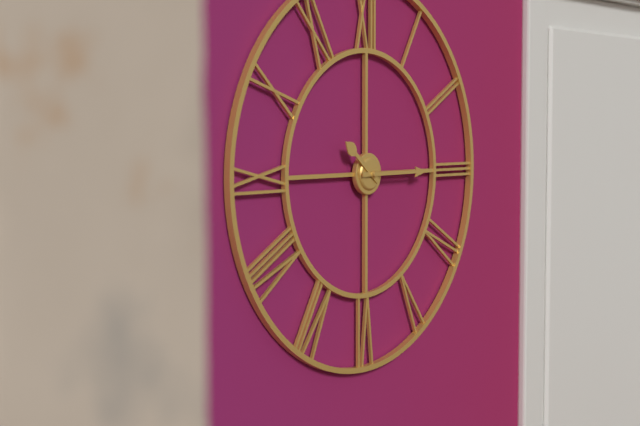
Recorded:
h=10 m=15
